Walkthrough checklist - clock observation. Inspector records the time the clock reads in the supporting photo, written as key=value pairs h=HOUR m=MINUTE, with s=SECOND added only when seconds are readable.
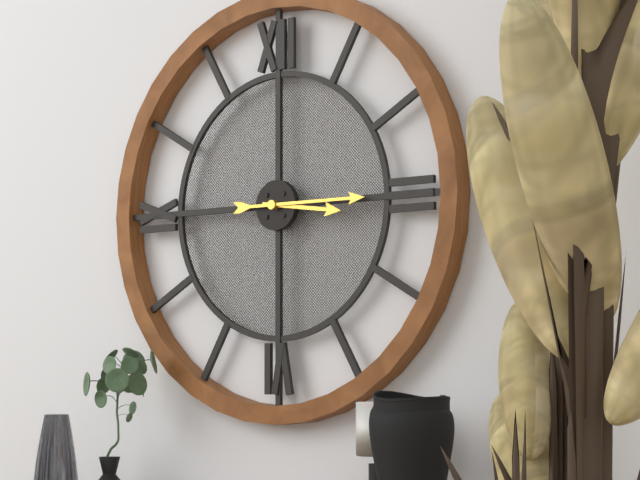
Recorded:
h=3 m=15
